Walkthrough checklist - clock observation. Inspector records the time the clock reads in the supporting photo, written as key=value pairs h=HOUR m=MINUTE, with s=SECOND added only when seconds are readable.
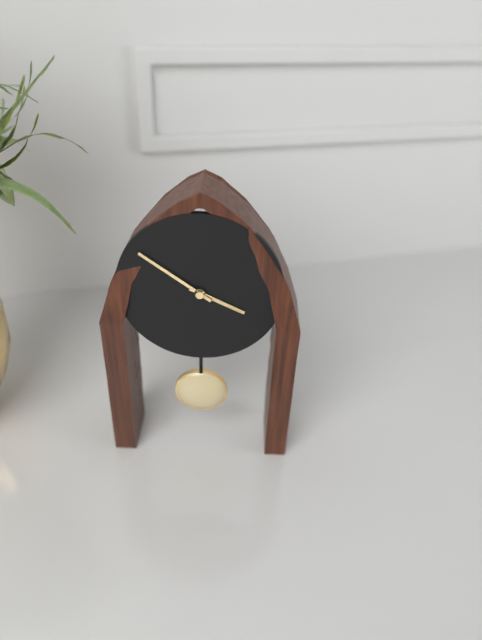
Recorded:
h=3 m=51
